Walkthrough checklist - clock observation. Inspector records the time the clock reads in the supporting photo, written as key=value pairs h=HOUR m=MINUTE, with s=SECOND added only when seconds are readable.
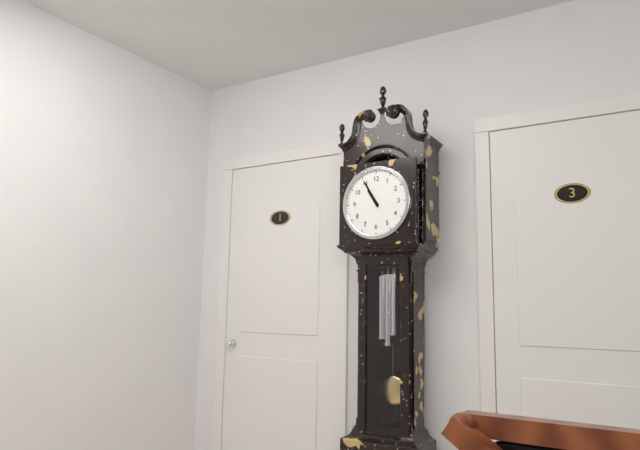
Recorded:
h=10 m=55
